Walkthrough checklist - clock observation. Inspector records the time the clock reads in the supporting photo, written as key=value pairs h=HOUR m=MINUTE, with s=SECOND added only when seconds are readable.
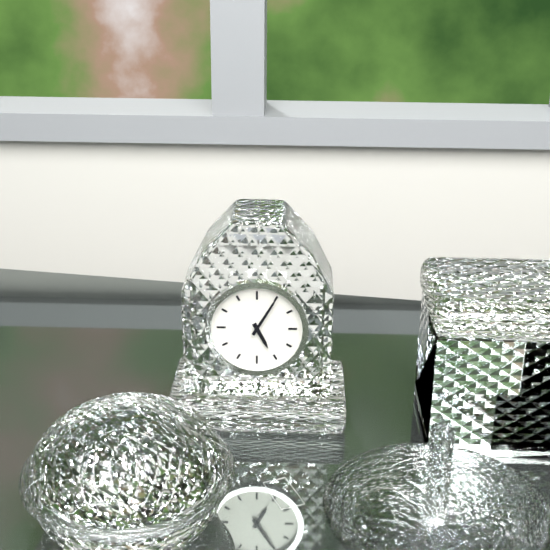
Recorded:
h=5 m=5
